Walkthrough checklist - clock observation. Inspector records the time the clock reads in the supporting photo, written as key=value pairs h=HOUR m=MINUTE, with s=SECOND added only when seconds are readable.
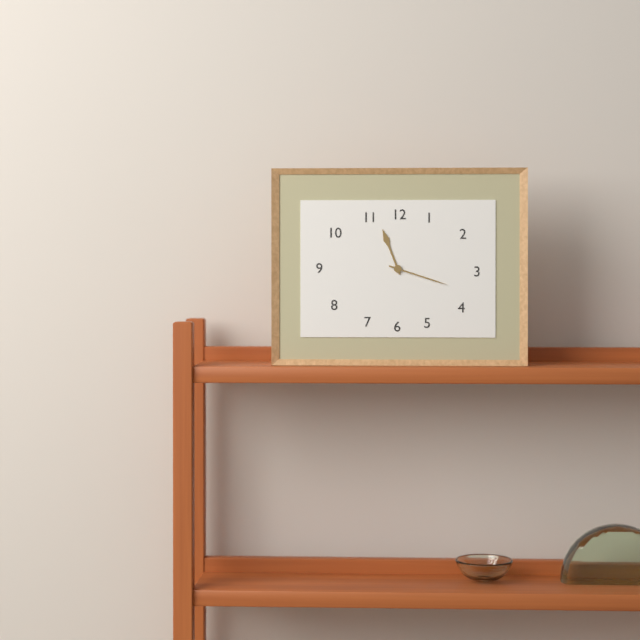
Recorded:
h=11 m=18
